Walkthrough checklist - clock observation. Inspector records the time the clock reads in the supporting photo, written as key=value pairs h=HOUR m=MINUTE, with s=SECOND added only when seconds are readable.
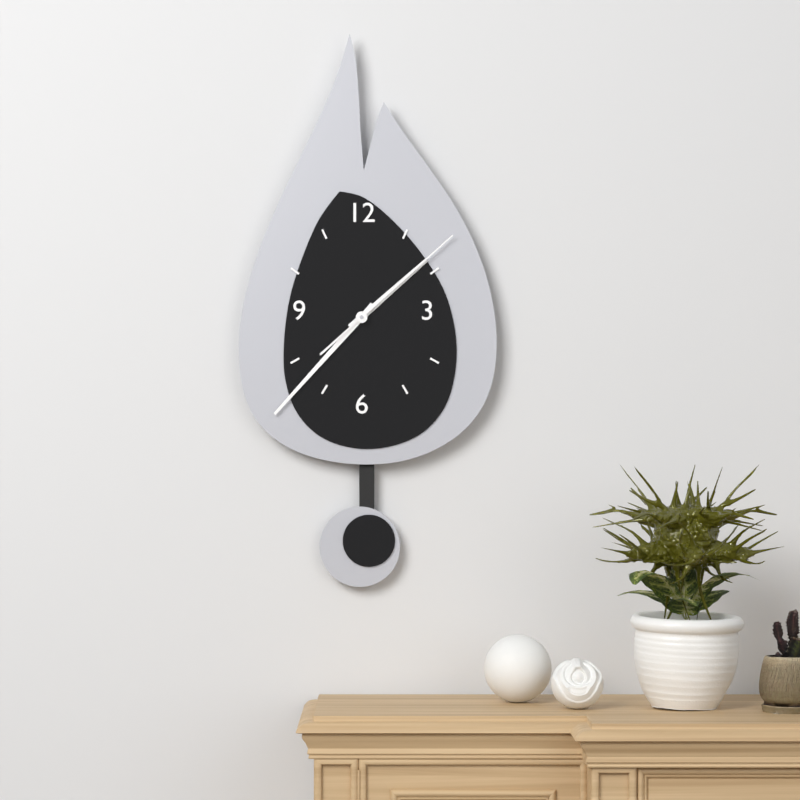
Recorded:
h=1 m=37 s=8
